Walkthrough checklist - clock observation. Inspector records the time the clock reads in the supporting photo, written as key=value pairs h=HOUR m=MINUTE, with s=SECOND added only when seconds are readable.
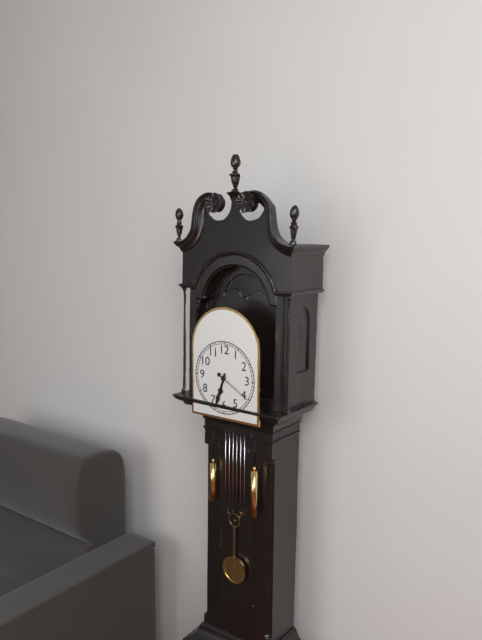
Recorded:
h=6 m=33
